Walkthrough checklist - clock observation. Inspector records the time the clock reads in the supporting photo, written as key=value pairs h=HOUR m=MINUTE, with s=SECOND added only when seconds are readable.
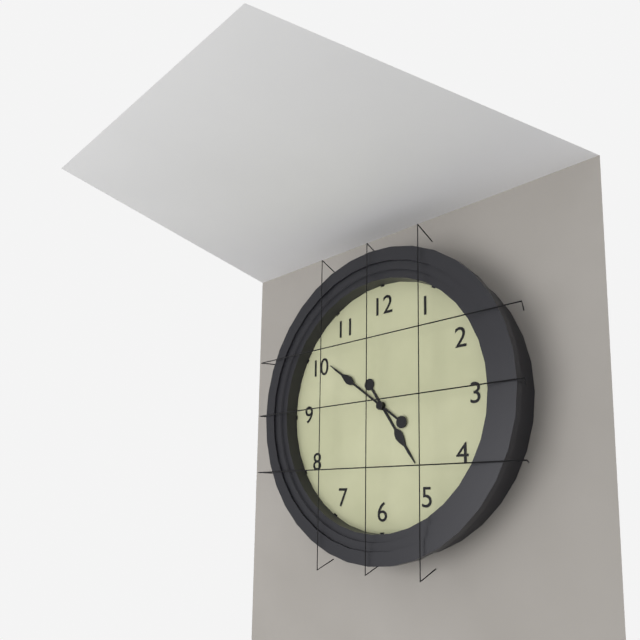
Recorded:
h=4 m=51
